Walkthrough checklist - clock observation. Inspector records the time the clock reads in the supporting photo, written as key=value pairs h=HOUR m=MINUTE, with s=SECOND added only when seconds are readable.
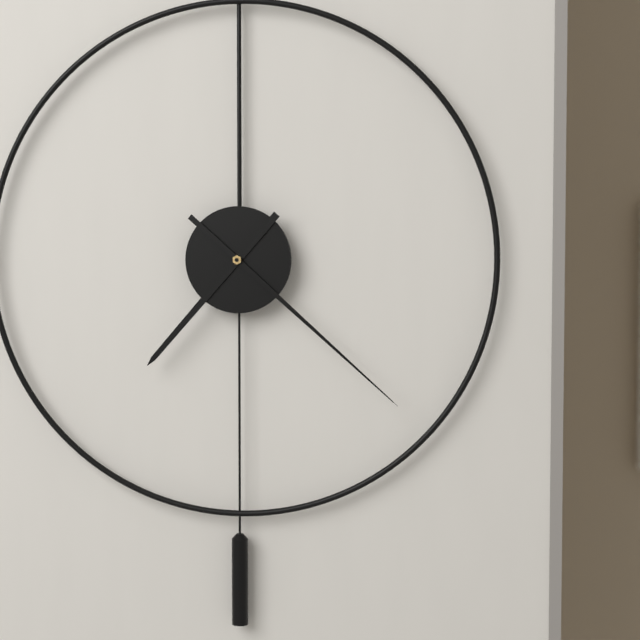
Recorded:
h=7 m=22
